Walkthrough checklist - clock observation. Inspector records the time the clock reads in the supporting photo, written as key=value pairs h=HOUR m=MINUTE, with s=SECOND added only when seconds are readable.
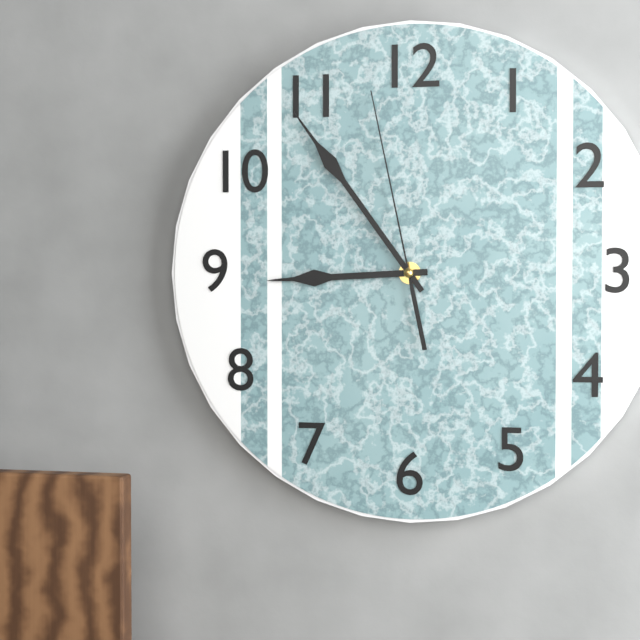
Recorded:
h=8 m=54 s=58
